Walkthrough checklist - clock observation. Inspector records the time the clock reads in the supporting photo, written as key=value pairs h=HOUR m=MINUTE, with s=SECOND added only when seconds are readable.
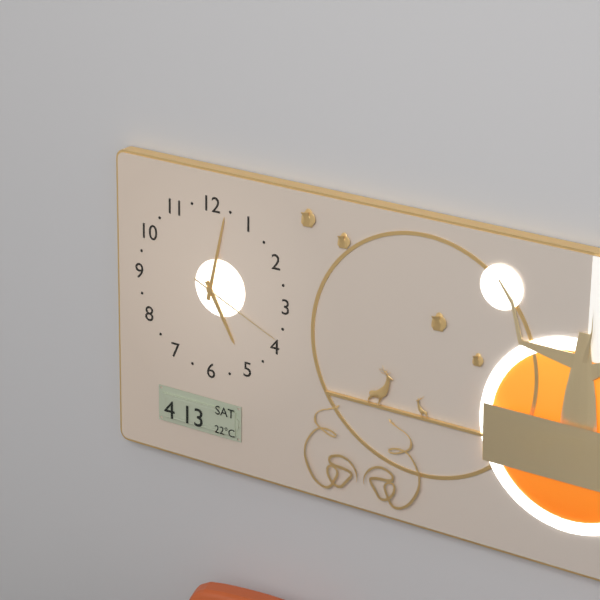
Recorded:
h=5 m=2 s=19
